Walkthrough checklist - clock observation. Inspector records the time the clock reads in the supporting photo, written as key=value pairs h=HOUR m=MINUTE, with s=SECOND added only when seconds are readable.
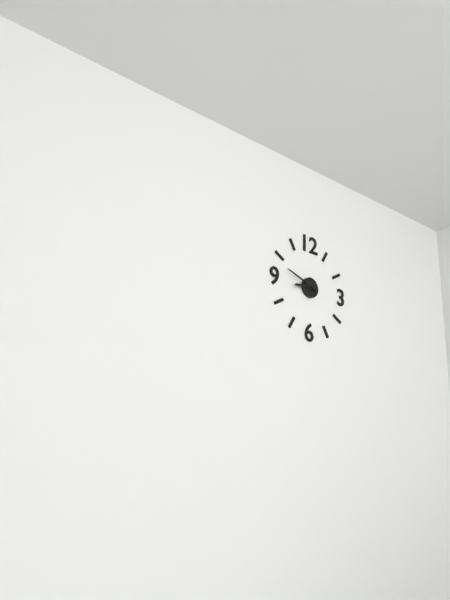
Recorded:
h=8 m=48
